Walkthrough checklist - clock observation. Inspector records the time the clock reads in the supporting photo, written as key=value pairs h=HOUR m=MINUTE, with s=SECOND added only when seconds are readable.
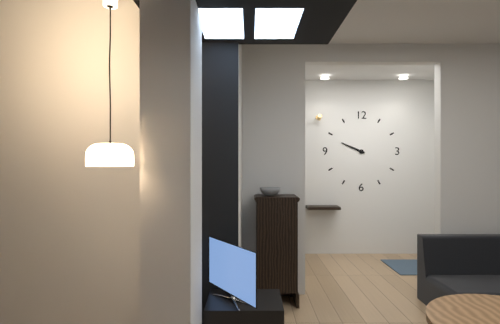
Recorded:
h=9 m=49
